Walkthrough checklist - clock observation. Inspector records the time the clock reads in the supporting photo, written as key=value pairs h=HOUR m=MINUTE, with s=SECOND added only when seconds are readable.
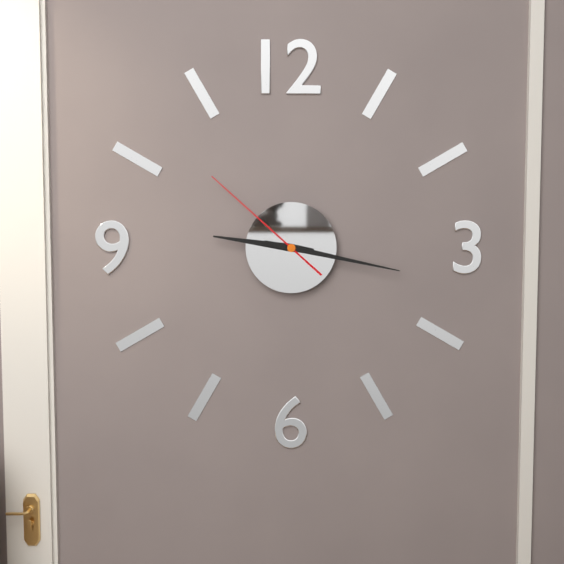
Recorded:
h=9 m=17 s=52
